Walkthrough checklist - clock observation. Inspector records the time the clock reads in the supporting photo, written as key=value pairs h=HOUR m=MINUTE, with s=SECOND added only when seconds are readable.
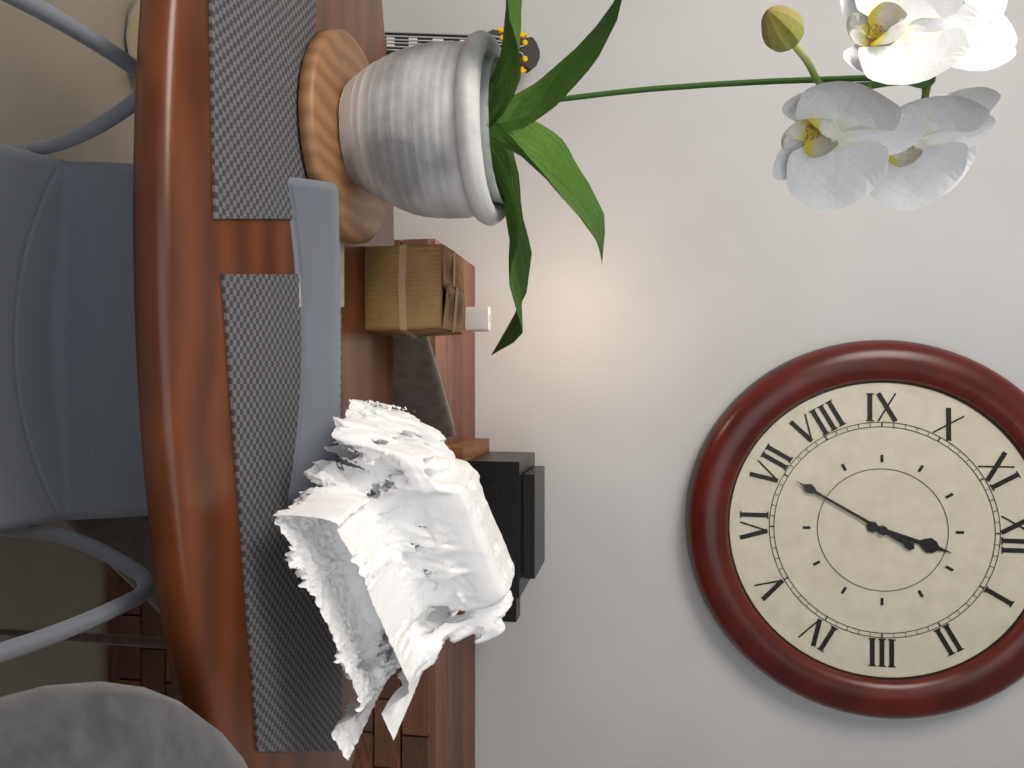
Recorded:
h=12 m=35
